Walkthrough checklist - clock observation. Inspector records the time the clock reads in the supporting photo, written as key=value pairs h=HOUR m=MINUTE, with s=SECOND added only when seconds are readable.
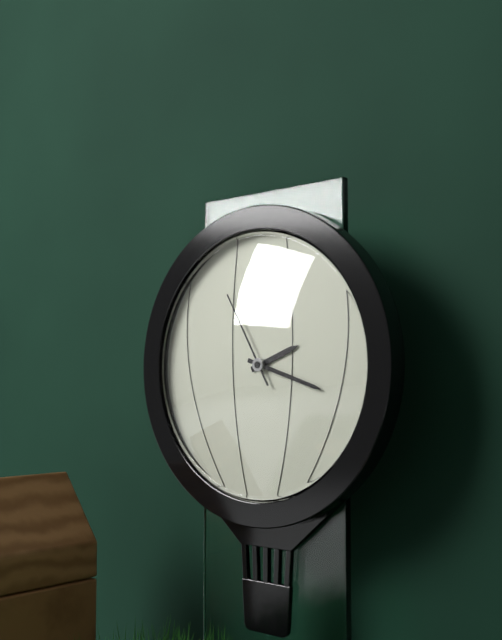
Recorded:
h=2 m=18 s=55
